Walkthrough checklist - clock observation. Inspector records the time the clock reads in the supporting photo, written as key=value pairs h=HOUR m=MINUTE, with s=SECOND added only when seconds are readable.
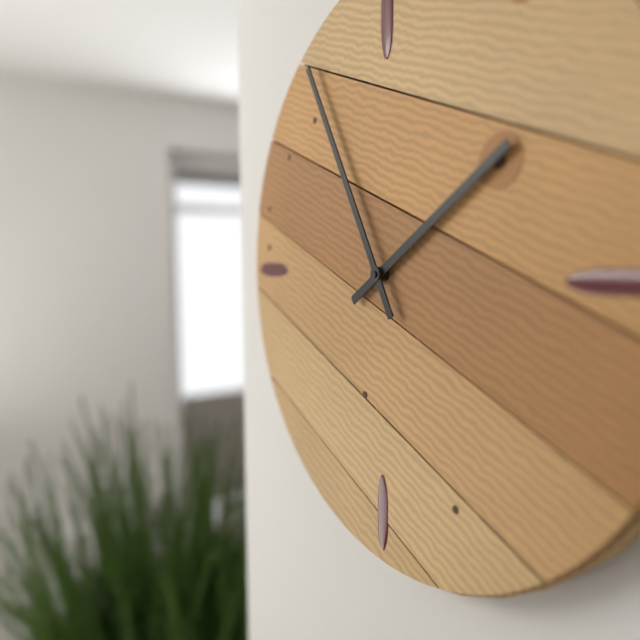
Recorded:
h=1 m=55
